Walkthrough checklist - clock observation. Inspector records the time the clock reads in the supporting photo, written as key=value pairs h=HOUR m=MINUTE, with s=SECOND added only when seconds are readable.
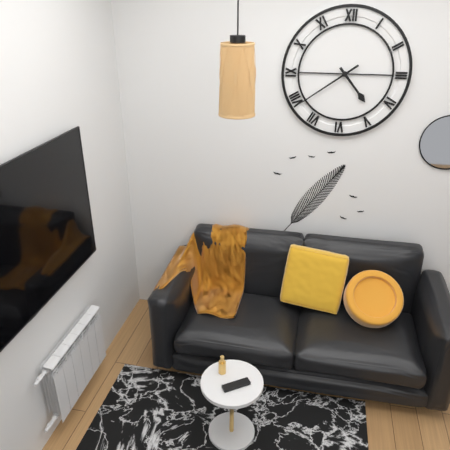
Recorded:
h=4 m=39
